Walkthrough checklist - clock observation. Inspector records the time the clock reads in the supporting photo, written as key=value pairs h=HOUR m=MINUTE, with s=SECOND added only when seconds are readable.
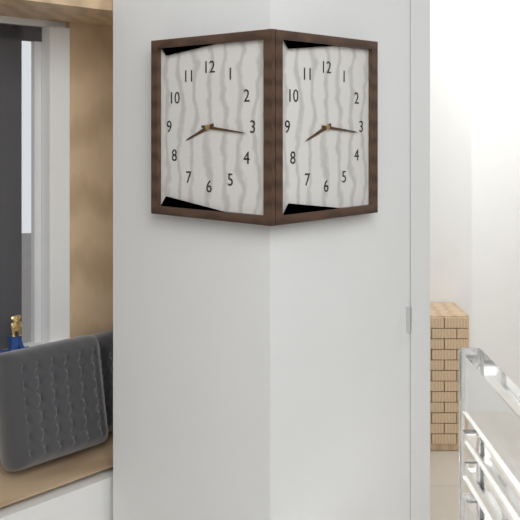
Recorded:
h=8 m=16
